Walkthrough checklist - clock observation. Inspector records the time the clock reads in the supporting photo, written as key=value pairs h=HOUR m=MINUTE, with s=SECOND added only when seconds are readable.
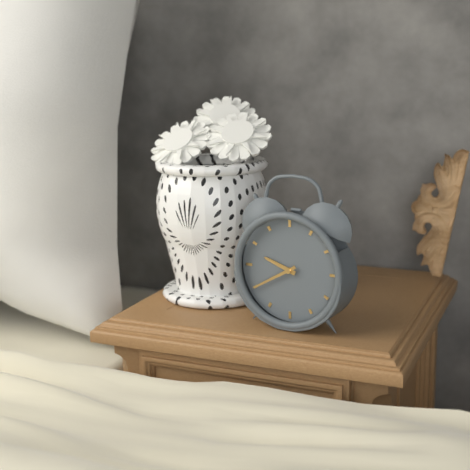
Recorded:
h=9 m=40
